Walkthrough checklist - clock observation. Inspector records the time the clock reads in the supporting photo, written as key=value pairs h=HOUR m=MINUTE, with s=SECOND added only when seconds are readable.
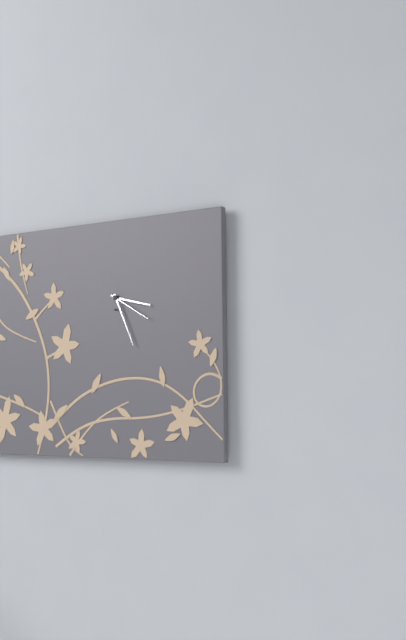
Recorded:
h=3 m=26
